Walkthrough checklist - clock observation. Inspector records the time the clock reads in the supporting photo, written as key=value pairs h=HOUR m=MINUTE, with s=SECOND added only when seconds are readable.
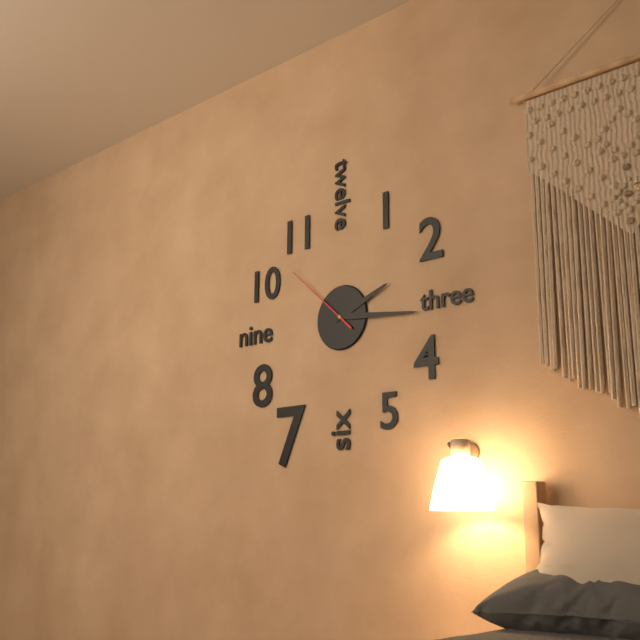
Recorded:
h=2 m=16 s=52
